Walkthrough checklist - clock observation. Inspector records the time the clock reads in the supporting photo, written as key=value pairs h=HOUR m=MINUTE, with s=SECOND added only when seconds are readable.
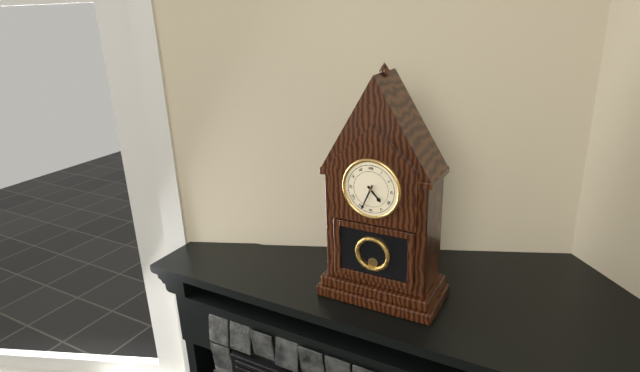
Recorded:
h=4 m=34
